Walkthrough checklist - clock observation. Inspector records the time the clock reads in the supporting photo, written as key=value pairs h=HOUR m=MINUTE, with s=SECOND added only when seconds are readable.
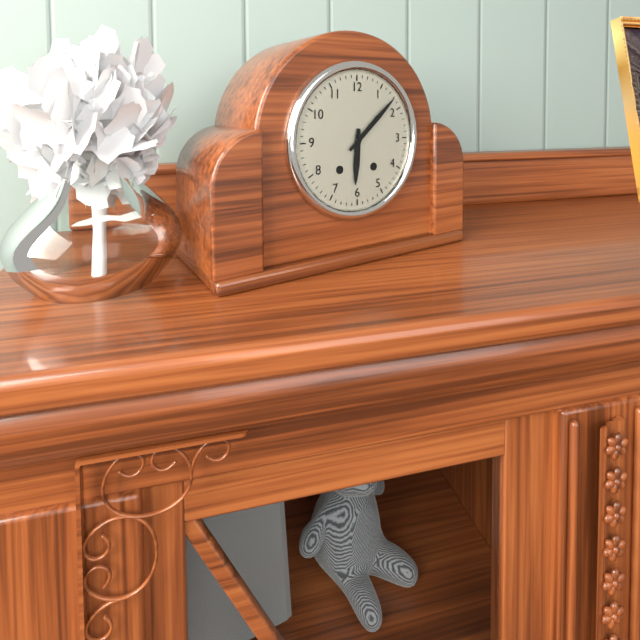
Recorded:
h=6 m=8
